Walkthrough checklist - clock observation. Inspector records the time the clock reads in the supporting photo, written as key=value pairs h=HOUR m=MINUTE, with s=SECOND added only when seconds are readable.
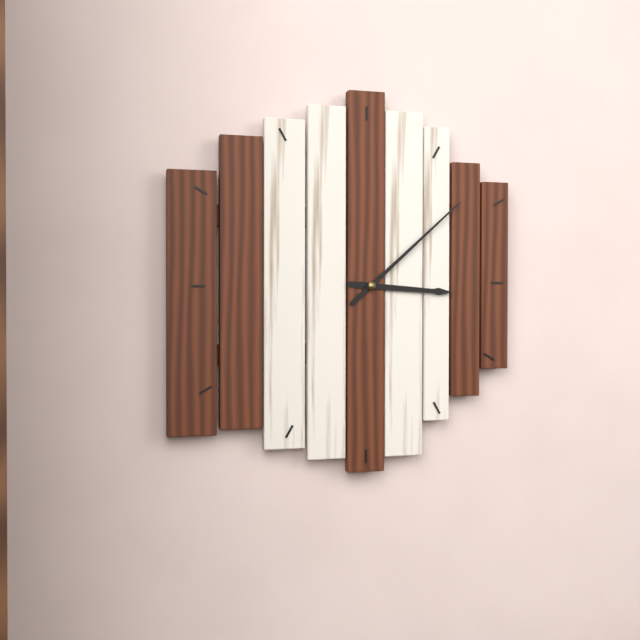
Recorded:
h=3 m=8
